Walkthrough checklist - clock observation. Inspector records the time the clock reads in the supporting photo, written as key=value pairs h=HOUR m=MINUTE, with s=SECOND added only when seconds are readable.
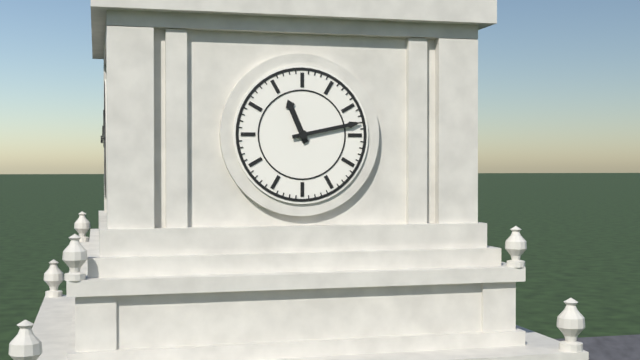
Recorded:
h=11 m=13
